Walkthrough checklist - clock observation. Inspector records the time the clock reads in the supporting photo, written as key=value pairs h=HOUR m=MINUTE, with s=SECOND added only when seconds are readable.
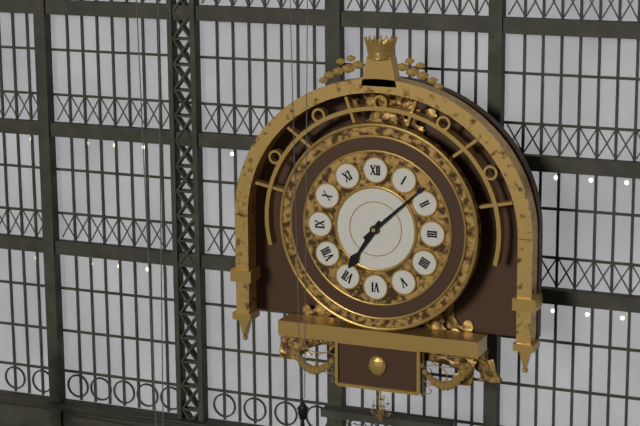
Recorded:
h=7 m=8
